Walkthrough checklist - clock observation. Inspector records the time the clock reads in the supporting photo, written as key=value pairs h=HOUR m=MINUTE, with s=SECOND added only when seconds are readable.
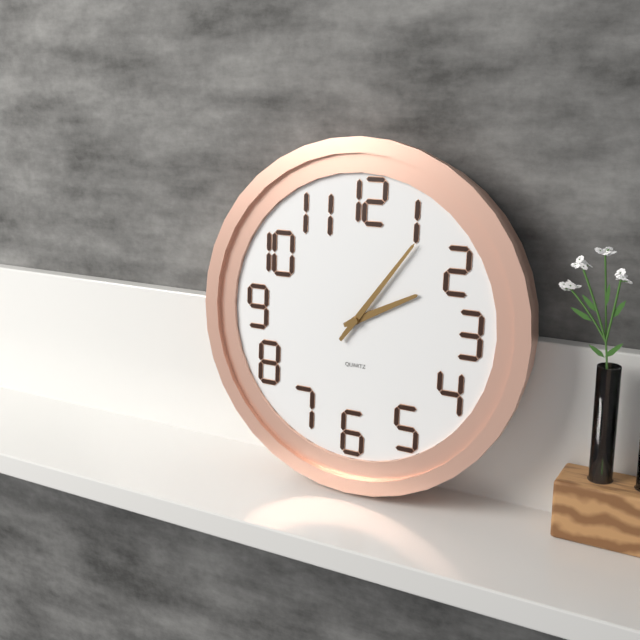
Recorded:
h=2 m=6
